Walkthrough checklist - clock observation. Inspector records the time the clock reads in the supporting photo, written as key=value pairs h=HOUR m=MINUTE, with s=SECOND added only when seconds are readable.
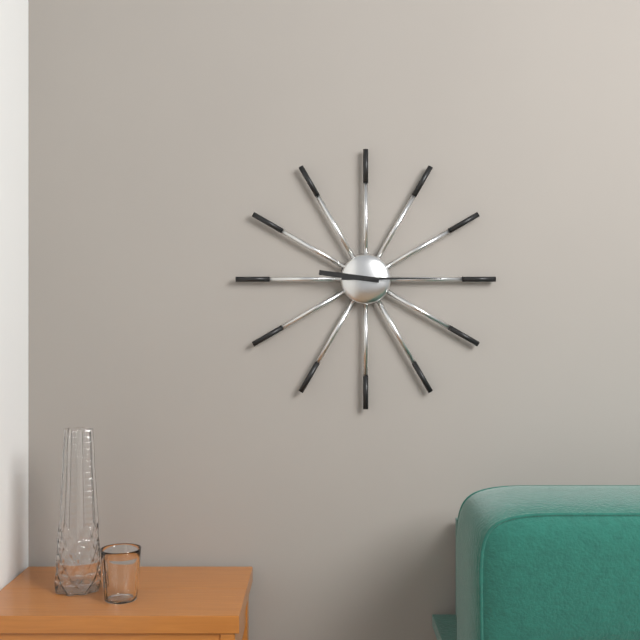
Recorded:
h=9 m=15
